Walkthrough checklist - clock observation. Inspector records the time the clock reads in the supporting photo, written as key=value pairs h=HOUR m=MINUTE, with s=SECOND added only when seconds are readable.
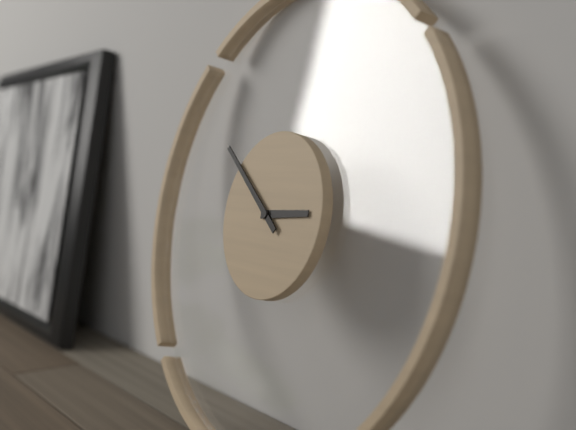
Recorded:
h=2 m=51
